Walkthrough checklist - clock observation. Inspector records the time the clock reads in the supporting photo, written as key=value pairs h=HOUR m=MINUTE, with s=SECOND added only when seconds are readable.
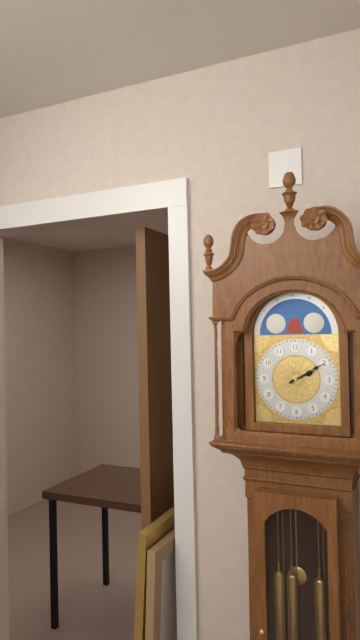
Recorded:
h=2 m=10
